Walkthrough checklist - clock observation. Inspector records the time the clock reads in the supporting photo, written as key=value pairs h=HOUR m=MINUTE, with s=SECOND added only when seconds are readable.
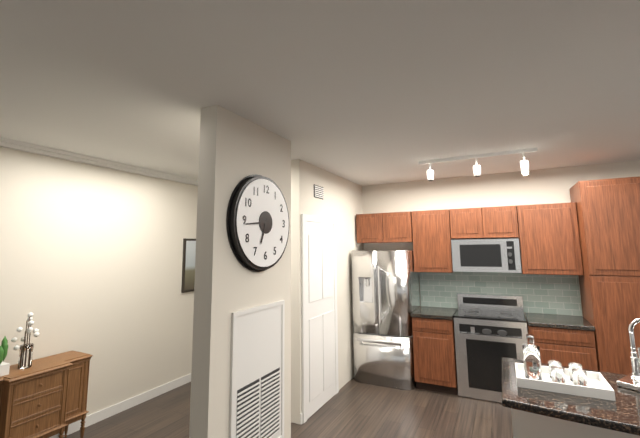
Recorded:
h=6 m=44
